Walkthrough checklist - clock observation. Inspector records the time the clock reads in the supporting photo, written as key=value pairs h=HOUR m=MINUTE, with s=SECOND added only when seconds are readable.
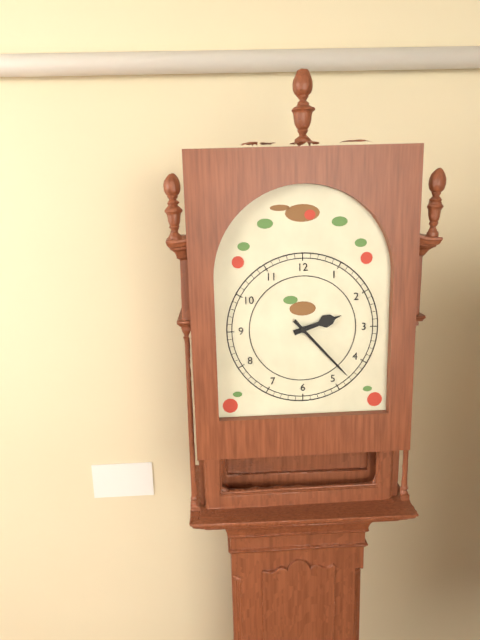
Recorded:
h=2 m=23
